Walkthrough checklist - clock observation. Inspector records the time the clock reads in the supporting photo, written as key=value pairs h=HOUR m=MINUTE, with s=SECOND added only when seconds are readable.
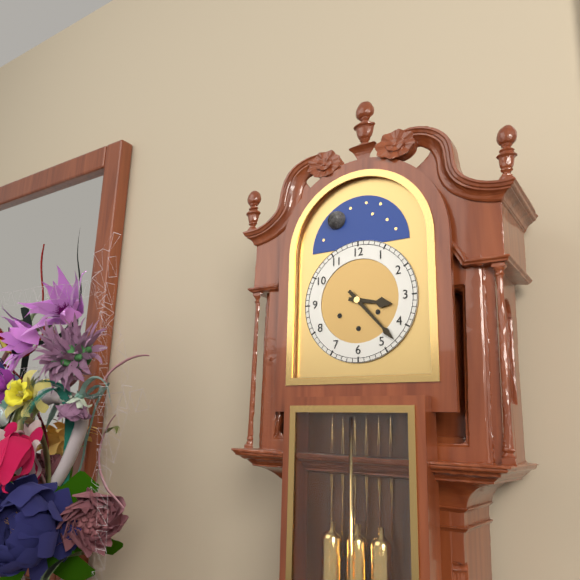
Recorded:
h=3 m=23
